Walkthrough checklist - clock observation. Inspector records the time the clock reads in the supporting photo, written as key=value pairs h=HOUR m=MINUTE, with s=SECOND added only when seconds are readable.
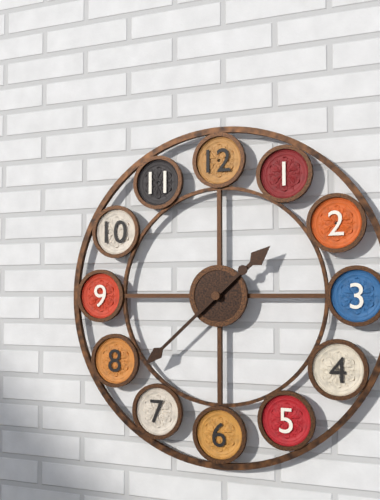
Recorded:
h=1 m=38
